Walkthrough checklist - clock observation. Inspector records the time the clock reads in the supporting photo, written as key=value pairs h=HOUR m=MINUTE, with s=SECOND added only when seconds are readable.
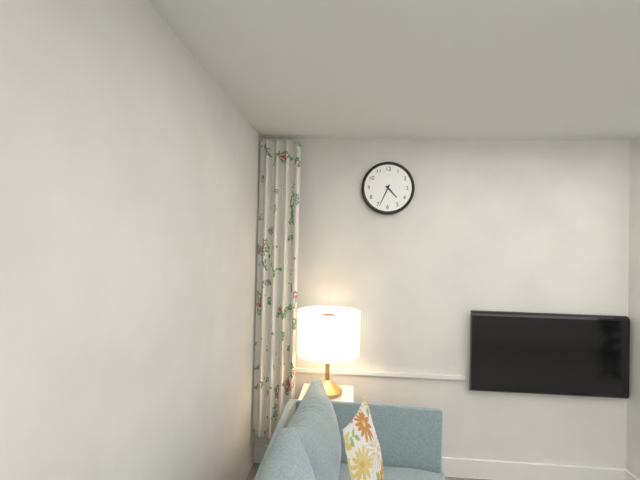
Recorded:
h=4 m=34
